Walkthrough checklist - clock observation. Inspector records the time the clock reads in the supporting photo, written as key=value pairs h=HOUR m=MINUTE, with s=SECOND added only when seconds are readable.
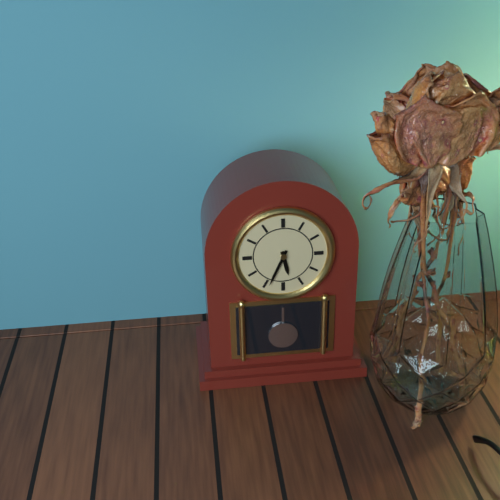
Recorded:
h=5 m=34
